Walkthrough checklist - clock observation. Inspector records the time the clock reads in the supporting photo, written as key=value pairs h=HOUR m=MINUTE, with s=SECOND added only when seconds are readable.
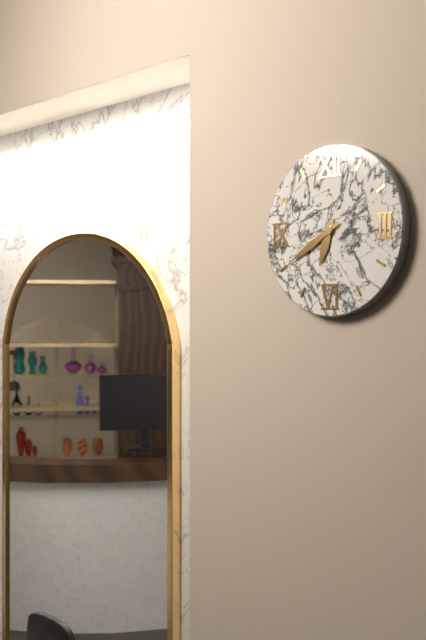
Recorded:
h=6 m=40
